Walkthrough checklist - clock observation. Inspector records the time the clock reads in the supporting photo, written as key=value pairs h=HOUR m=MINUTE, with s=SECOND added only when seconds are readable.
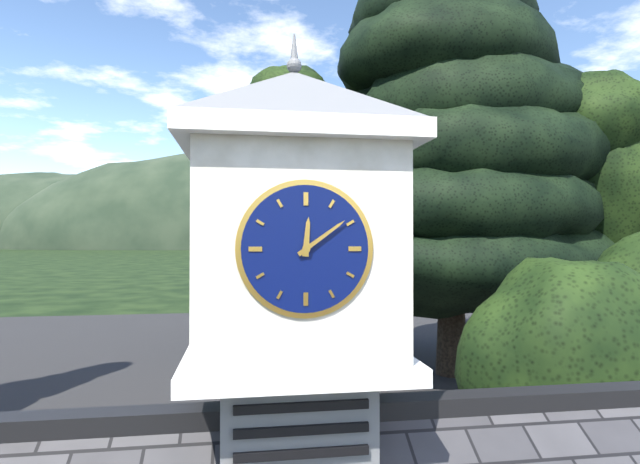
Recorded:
h=12 m=9
